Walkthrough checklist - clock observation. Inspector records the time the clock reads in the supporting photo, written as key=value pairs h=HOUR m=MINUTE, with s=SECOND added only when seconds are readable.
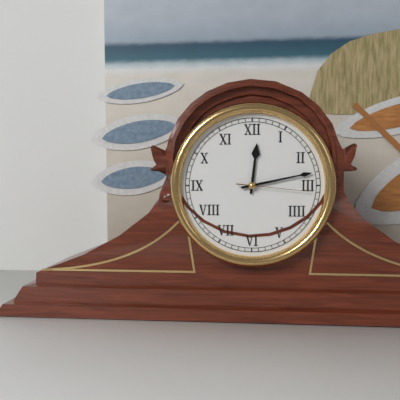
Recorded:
h=12 m=13 s=16
